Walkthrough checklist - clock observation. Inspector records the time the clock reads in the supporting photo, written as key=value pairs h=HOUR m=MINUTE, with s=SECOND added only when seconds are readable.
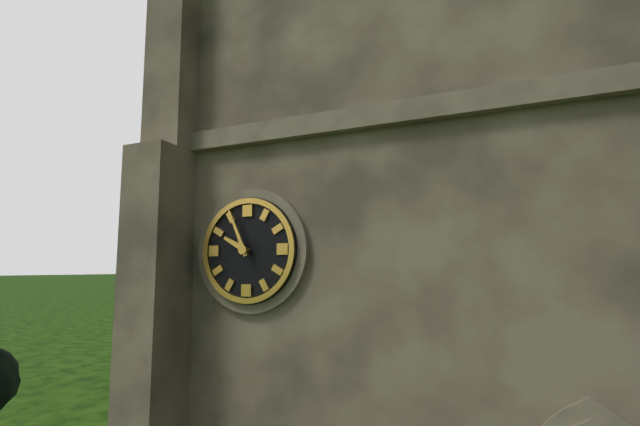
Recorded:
h=9 m=56
